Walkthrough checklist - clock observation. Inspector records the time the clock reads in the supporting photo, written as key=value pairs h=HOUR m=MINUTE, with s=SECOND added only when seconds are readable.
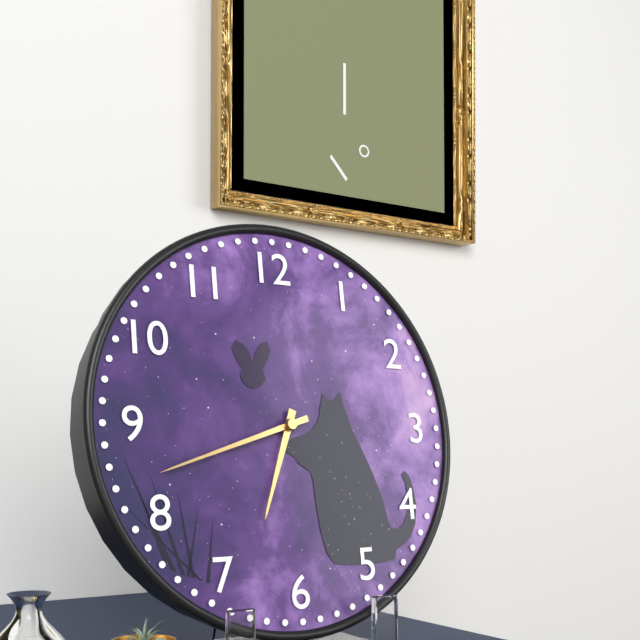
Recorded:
h=6 m=42
